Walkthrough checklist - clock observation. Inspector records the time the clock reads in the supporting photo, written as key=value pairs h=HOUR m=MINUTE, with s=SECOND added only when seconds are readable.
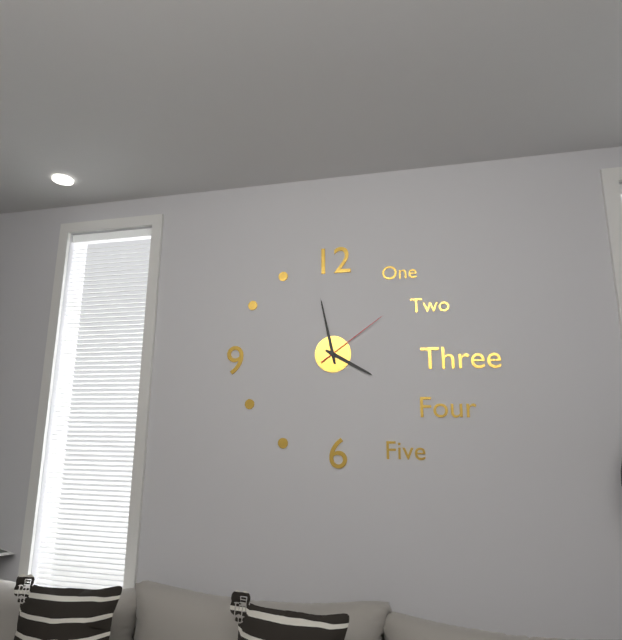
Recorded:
h=3 m=58 s=9
